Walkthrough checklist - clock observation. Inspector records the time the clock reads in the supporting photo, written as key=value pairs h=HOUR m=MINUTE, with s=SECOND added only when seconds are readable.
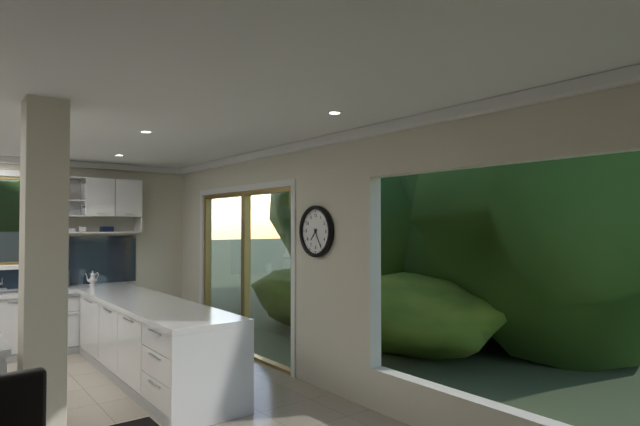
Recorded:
h=7 m=25
